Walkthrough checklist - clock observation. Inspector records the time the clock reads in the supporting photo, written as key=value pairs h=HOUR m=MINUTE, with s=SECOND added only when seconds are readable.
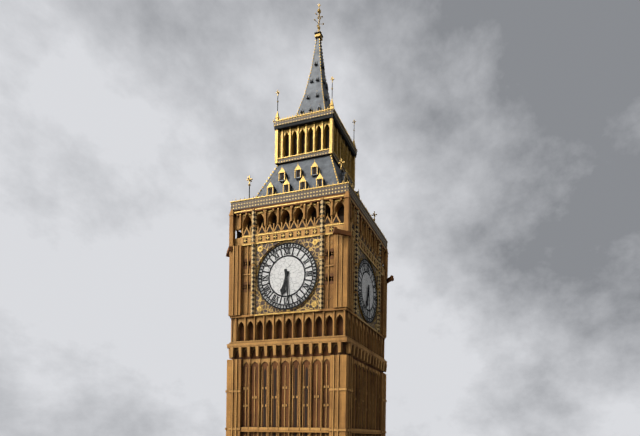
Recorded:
h=6 m=29
